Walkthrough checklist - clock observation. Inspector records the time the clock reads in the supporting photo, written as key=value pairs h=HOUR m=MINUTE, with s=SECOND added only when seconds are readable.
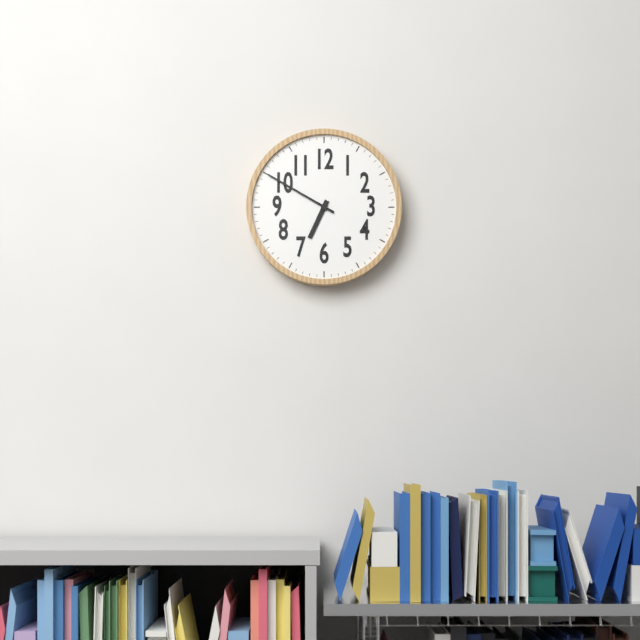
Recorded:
h=6 m=50
